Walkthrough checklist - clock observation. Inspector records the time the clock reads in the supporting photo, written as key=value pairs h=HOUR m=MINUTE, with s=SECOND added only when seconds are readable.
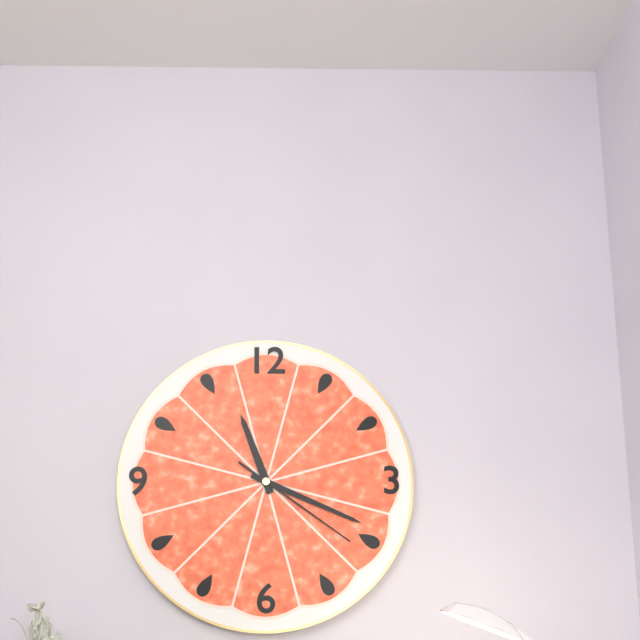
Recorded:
h=11 m=19 s=21
